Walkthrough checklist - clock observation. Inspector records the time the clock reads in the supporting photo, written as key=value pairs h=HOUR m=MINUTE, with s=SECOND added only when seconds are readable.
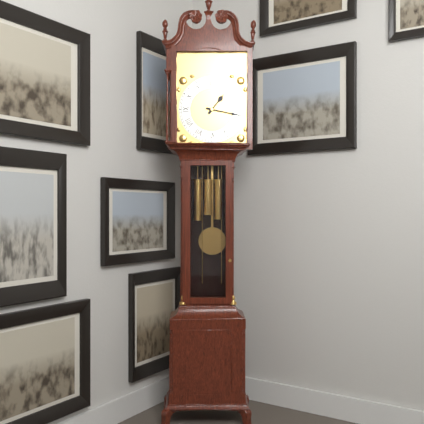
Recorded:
h=1 m=17
